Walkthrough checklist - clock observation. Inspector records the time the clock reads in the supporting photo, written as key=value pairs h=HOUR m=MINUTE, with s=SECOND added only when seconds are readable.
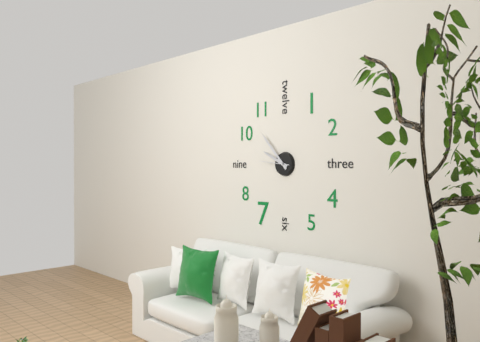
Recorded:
h=9 m=53
